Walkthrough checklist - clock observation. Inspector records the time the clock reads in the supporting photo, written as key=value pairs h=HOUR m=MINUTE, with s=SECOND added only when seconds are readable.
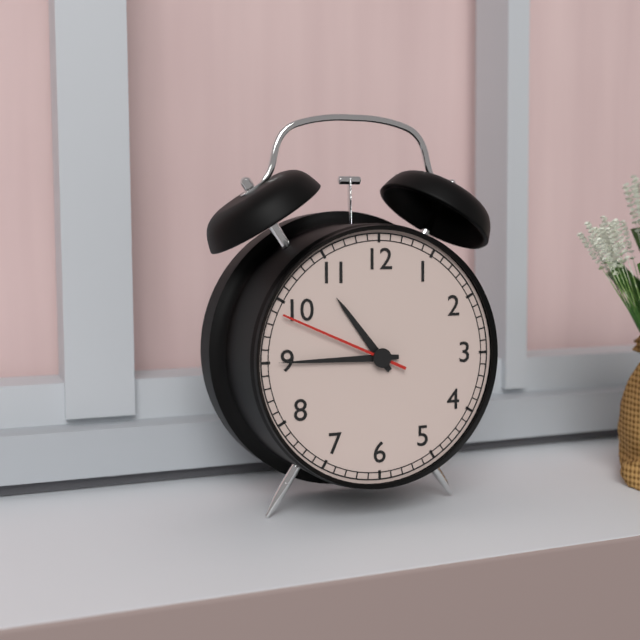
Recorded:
h=10 m=45 s=49
